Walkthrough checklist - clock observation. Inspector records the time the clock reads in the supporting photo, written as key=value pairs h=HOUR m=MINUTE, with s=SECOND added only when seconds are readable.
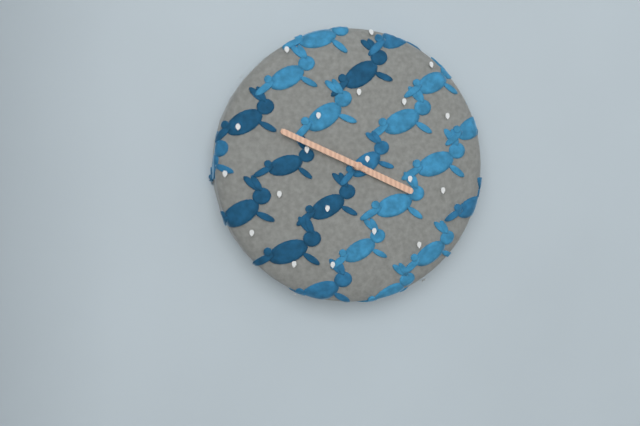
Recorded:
h=3 m=49
